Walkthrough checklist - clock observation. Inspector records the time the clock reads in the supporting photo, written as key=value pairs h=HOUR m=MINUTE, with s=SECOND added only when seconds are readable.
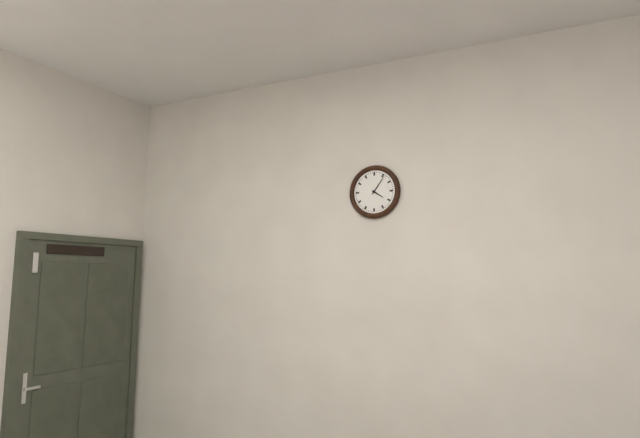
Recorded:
h=4 m=6
